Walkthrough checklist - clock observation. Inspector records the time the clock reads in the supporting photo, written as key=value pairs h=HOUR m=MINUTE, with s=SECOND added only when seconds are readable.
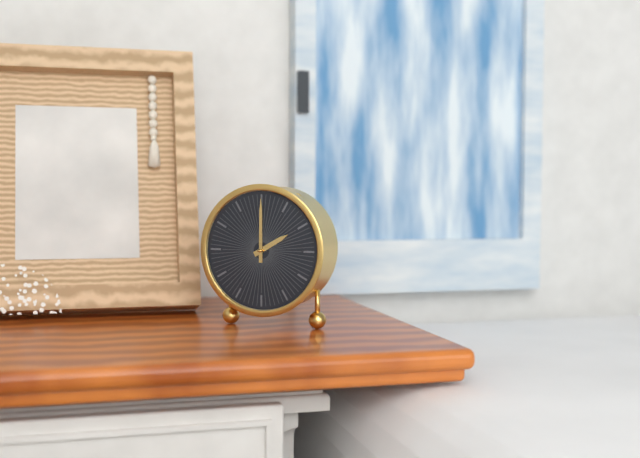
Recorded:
h=2 m=0
